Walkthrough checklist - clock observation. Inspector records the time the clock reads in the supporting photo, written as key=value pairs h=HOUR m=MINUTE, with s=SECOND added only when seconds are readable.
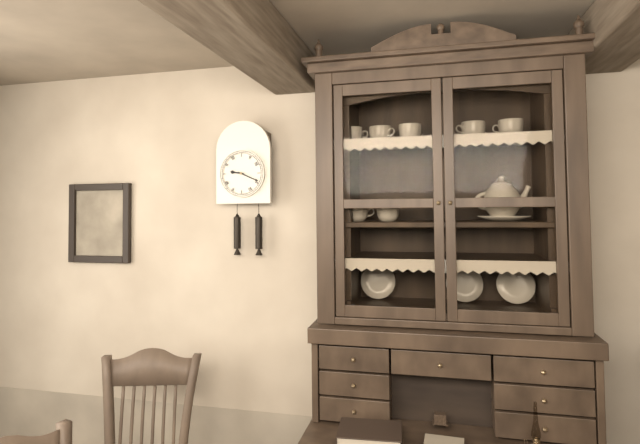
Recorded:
h=9 m=19
